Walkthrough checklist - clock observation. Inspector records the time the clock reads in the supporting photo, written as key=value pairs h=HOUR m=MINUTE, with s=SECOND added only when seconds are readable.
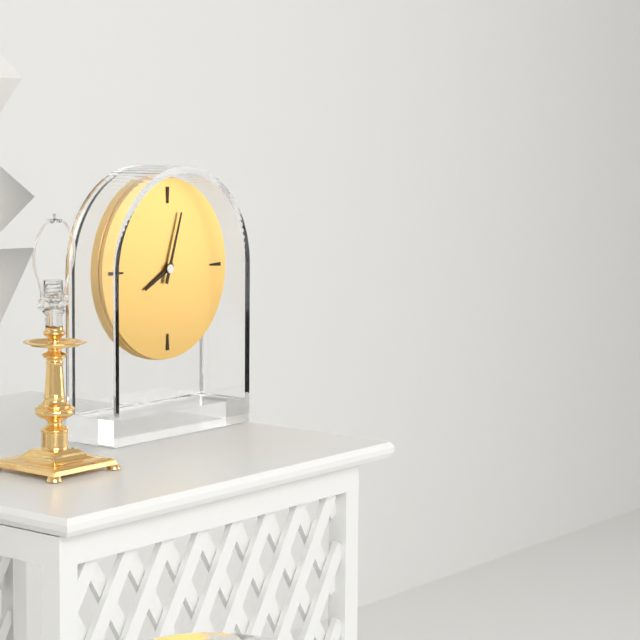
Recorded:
h=8 m=3
